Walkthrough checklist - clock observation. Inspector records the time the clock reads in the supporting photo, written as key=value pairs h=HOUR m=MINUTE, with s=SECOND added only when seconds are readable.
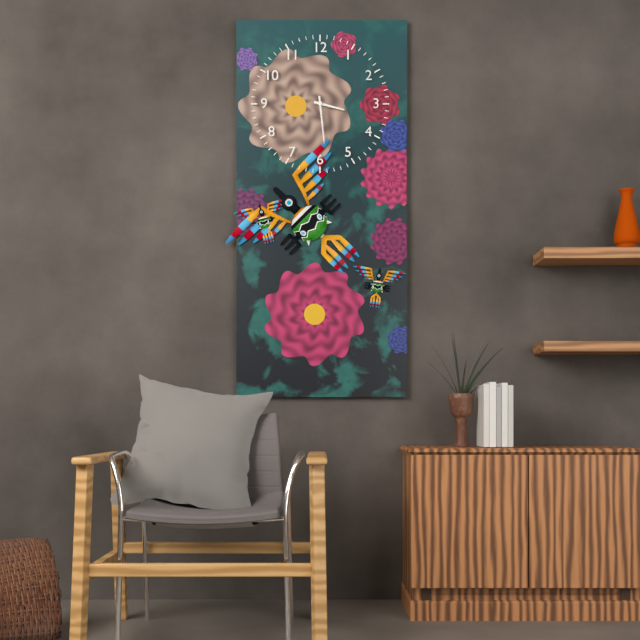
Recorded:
h=3 m=29
